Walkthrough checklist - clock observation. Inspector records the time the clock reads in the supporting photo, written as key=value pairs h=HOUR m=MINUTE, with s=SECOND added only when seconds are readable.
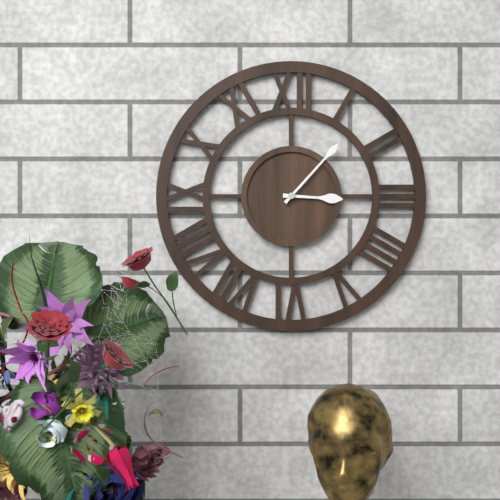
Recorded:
h=3 m=7
